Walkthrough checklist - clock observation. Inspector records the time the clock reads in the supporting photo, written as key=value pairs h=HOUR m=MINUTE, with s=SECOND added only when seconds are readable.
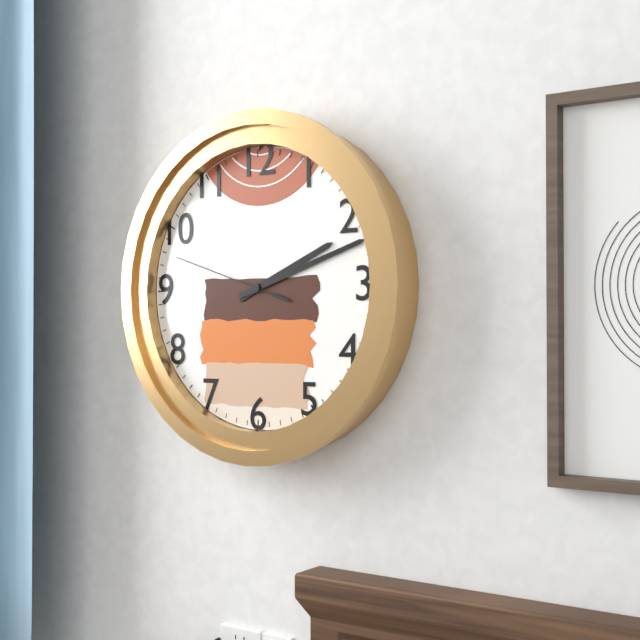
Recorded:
h=2 m=12 s=48
